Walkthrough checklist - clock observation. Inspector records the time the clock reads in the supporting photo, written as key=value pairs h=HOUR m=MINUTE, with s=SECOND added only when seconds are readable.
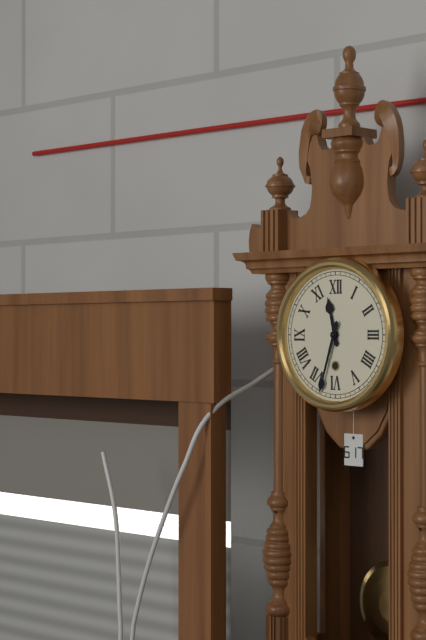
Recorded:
h=11 m=33
